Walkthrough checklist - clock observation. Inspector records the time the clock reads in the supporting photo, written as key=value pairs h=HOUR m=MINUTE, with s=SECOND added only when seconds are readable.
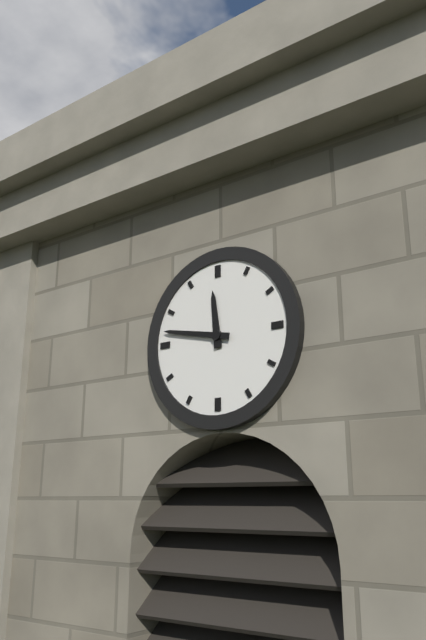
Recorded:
h=11 m=47
